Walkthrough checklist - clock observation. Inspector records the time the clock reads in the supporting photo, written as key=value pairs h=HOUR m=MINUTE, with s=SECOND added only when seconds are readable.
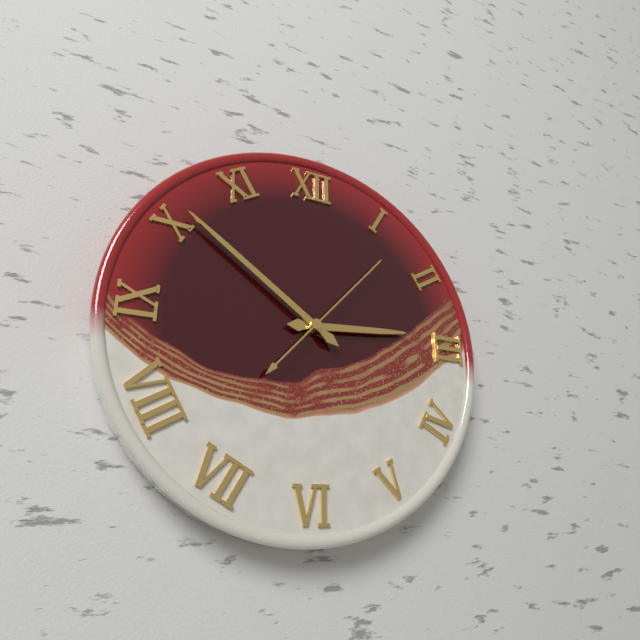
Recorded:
h=2 m=51 s=7
